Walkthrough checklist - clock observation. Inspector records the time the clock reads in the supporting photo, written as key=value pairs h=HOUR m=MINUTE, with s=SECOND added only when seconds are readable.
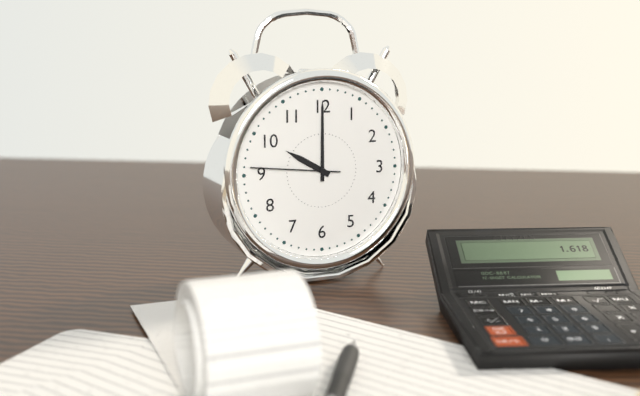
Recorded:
h=10 m=0 s=46
